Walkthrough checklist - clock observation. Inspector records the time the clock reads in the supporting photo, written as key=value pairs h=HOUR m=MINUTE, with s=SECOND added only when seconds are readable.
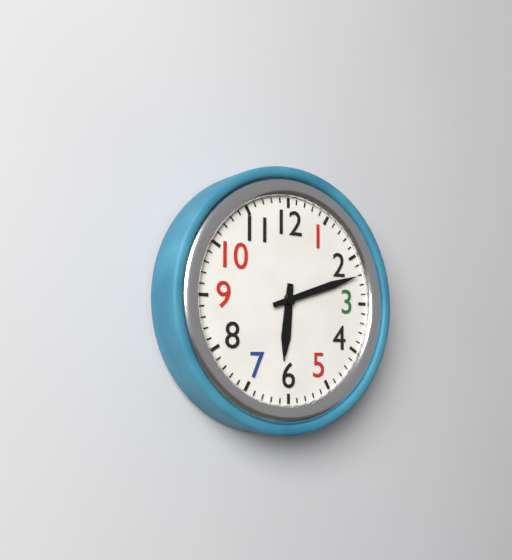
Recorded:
h=6 m=12
